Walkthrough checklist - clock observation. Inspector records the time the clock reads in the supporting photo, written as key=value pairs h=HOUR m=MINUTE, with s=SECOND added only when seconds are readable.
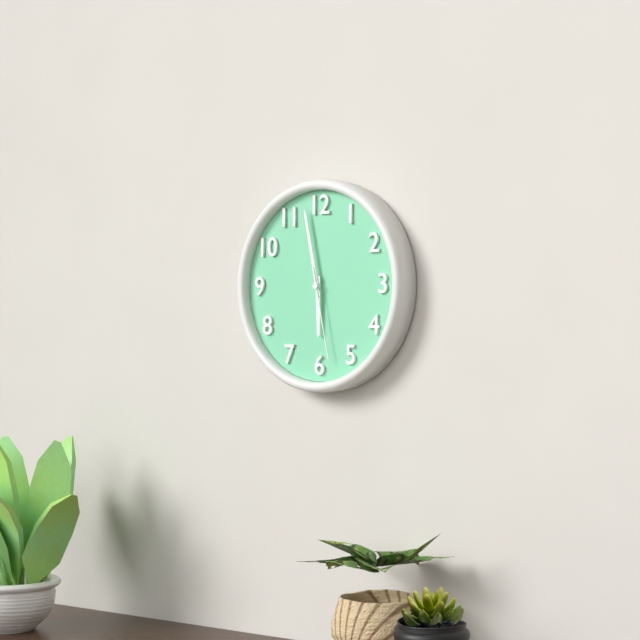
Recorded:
h=5 m=58 s=28
